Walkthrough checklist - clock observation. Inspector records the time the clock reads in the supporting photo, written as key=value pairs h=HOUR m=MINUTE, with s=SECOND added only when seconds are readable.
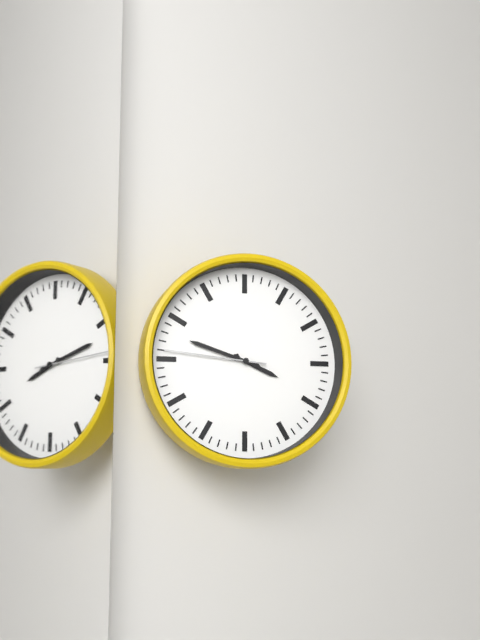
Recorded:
h=3 m=48 s=46
